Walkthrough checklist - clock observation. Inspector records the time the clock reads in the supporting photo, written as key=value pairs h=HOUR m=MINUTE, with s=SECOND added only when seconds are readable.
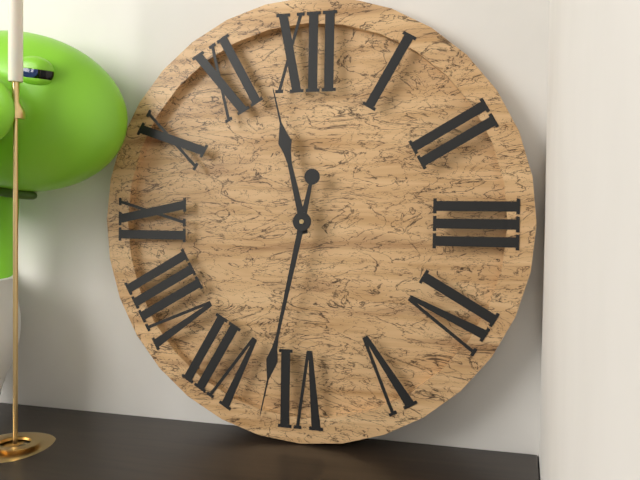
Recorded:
h=11 m=32
